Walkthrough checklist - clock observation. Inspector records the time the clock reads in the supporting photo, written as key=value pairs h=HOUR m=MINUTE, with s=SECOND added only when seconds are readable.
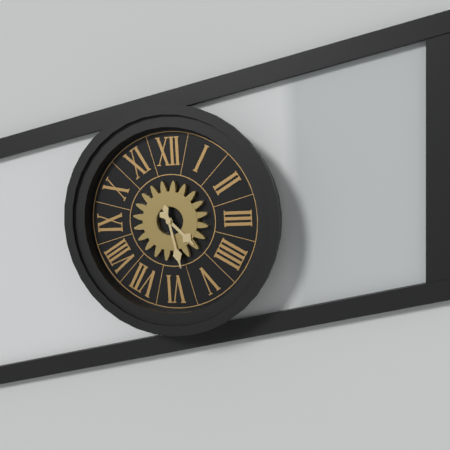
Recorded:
h=4 m=28
